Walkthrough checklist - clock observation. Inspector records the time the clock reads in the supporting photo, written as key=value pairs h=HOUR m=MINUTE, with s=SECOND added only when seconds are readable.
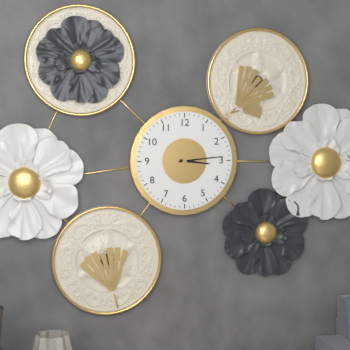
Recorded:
h=3 m=14
